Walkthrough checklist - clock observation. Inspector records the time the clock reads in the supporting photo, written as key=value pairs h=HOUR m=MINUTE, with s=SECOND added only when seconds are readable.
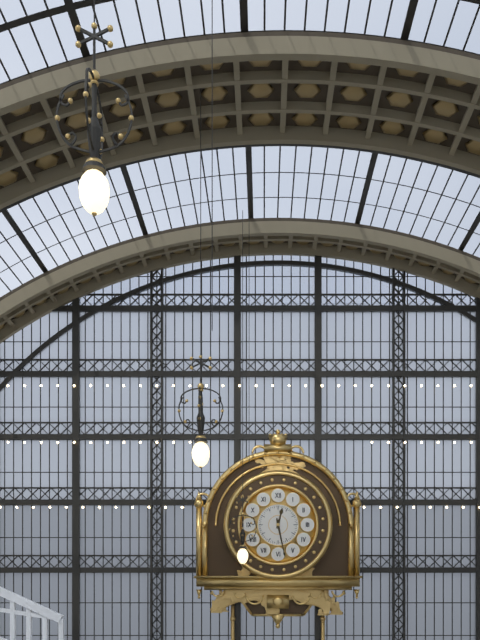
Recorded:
h=12 m=28
